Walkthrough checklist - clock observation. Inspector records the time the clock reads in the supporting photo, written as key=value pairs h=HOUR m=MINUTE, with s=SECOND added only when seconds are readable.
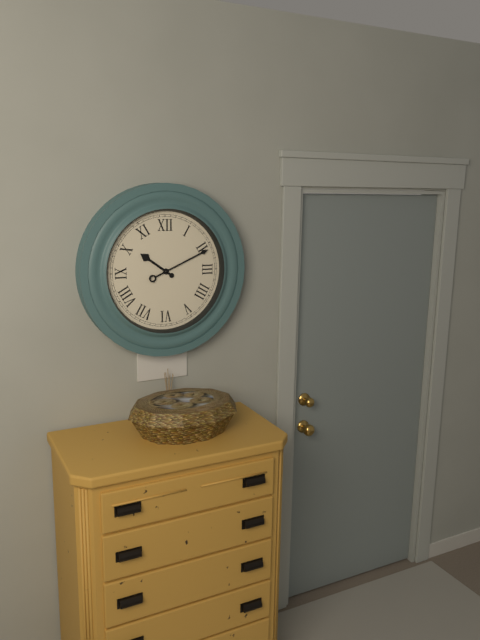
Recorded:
h=10 m=11
